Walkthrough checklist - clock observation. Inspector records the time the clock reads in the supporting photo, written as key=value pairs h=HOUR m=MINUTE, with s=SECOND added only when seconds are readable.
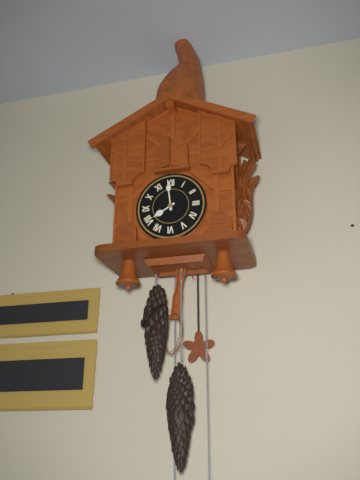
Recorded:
h=7 m=59
